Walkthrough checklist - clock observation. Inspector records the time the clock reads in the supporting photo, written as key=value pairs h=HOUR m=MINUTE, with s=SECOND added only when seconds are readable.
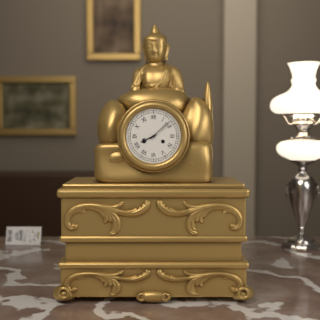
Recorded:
h=8 m=8
